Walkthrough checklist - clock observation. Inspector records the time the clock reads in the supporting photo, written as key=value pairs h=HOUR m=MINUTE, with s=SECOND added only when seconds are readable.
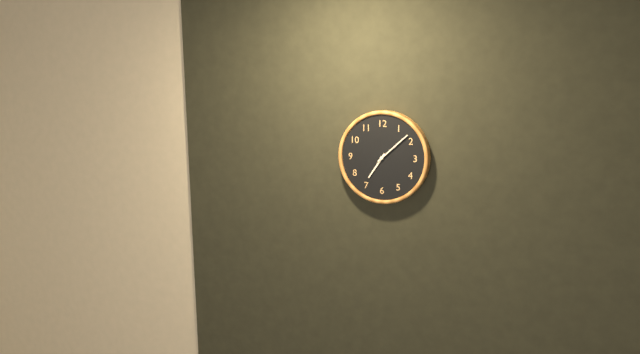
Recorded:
h=7 m=8
